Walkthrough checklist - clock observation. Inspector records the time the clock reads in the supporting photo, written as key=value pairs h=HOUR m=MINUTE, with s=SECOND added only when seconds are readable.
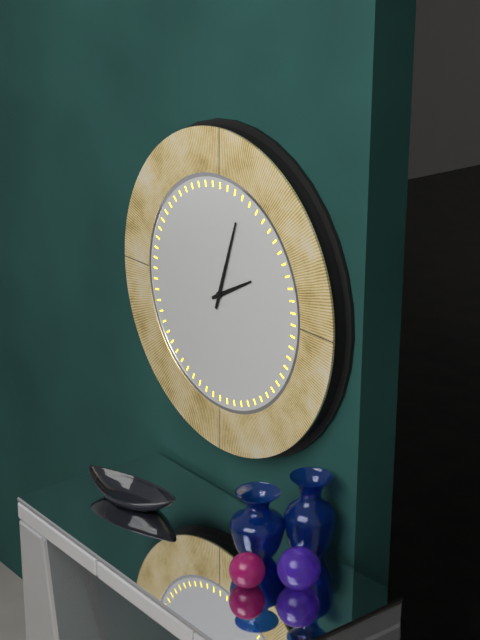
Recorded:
h=2 m=3
